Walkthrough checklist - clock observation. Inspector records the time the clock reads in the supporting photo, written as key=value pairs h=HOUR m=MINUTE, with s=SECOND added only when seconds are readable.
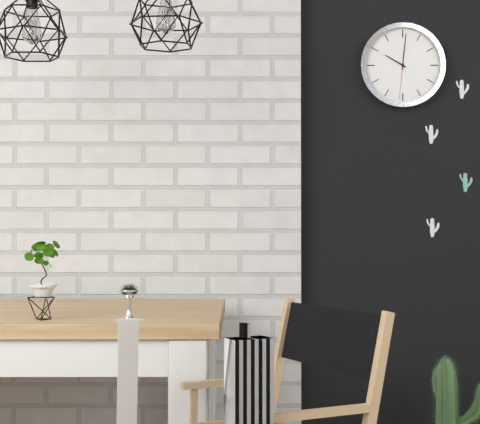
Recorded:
h=10 m=1
